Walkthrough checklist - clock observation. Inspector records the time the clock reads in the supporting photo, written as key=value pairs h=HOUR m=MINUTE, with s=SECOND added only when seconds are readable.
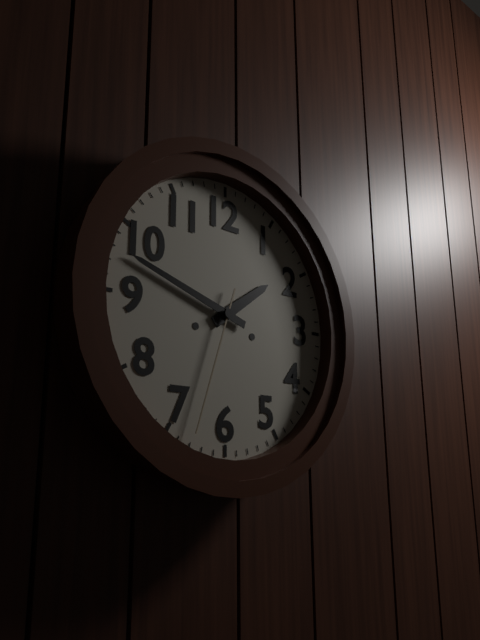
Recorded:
h=1 m=48 s=33
